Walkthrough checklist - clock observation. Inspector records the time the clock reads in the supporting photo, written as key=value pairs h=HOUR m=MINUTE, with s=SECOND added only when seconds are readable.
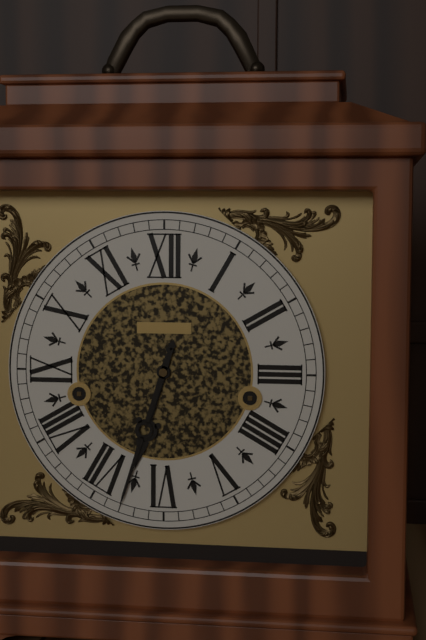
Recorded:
h=6 m=33
